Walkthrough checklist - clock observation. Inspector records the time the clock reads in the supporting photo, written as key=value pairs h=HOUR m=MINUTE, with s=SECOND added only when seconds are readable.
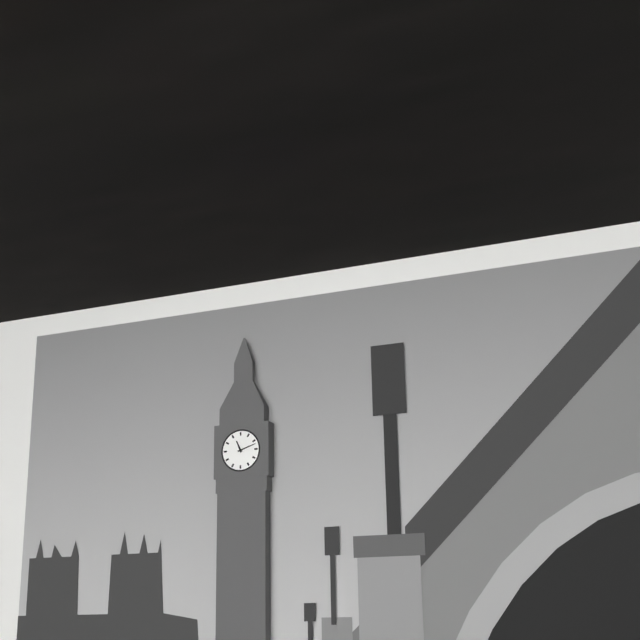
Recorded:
h=11 m=12
